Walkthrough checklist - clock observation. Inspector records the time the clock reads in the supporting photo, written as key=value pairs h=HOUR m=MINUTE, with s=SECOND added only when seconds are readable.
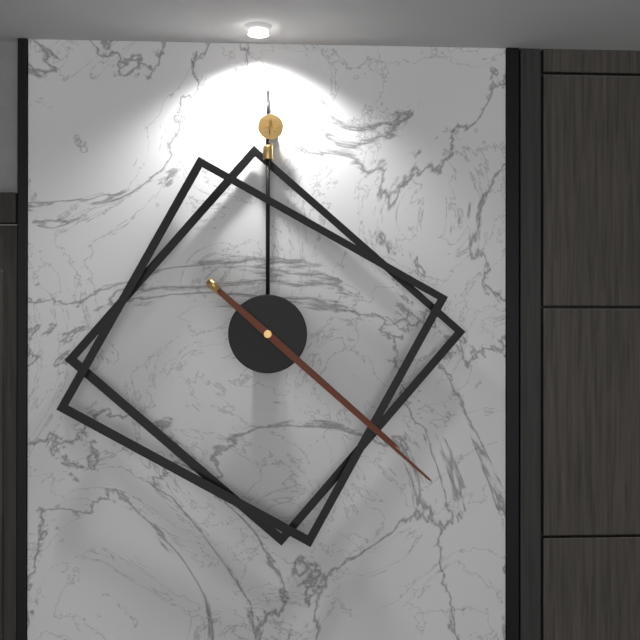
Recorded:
h=4 m=22
